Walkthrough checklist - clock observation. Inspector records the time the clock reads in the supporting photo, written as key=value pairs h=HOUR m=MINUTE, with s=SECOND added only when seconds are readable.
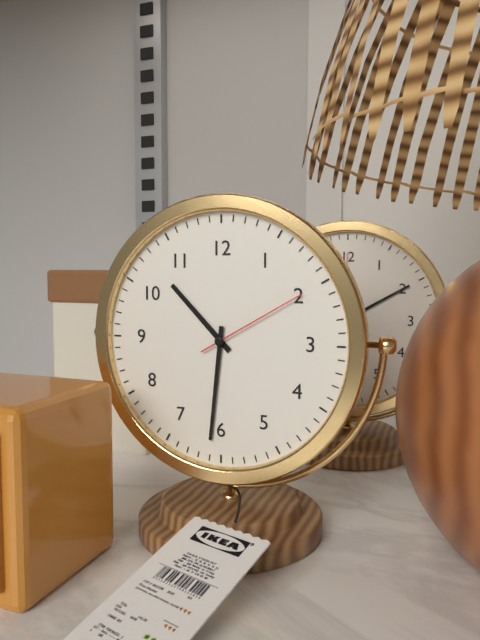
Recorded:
h=10 m=31 s=10
